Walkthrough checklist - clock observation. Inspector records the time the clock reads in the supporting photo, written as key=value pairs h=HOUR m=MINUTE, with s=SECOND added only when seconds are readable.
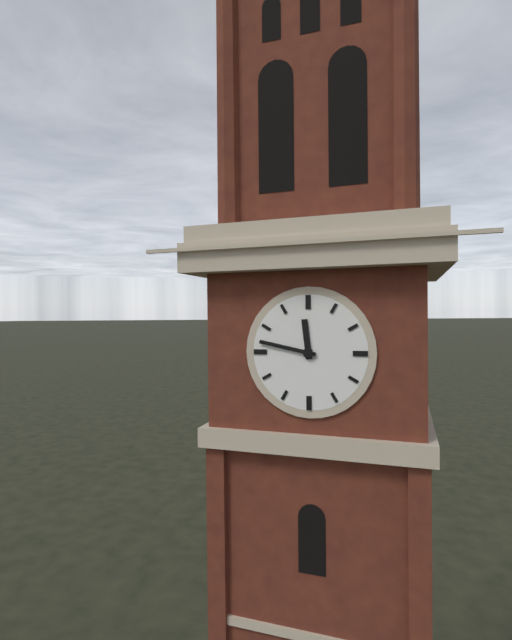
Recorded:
h=11 m=47
